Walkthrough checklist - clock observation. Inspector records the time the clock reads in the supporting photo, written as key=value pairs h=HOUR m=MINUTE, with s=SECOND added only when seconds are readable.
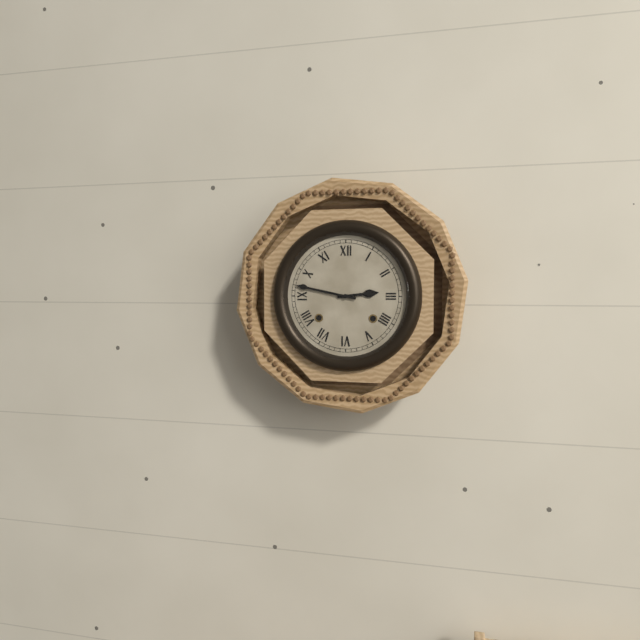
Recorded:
h=2 m=47
